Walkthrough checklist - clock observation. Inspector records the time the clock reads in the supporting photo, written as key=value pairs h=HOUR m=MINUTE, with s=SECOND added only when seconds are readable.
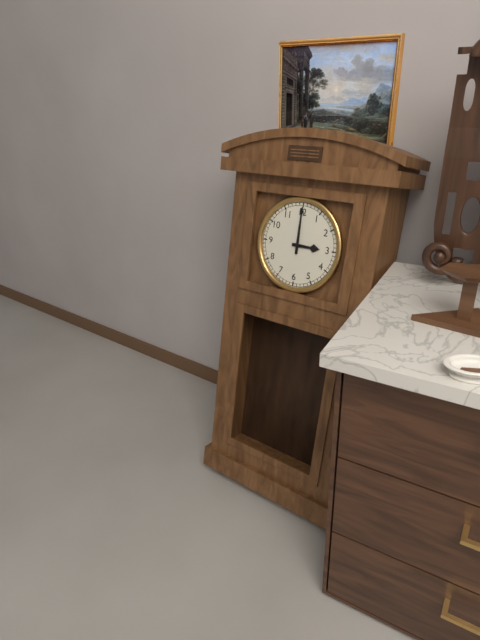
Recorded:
h=3 m=0
